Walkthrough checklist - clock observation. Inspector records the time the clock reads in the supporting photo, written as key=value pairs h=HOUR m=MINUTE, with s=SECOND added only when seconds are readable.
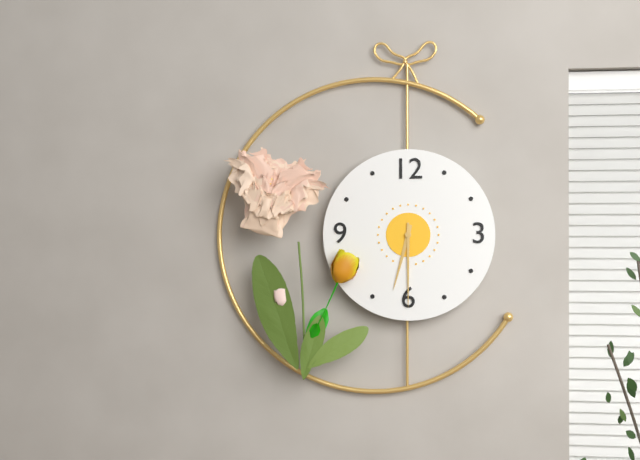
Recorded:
h=6 m=30
